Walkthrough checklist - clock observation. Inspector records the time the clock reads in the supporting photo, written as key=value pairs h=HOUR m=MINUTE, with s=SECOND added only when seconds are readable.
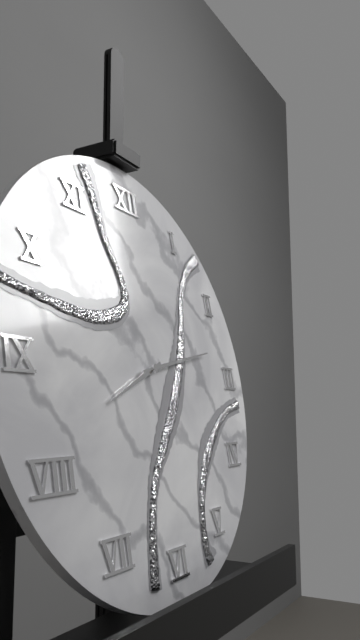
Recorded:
h=8 m=13
